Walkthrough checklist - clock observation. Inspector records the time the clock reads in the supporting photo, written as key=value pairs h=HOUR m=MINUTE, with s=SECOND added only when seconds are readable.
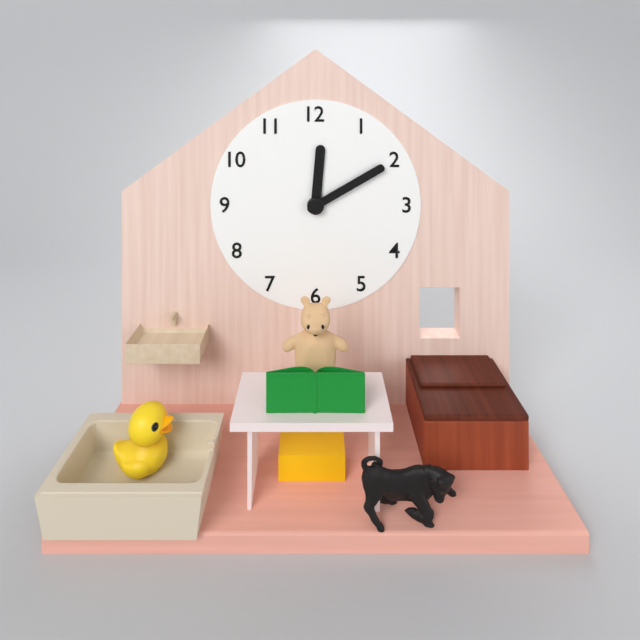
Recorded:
h=12 m=10
